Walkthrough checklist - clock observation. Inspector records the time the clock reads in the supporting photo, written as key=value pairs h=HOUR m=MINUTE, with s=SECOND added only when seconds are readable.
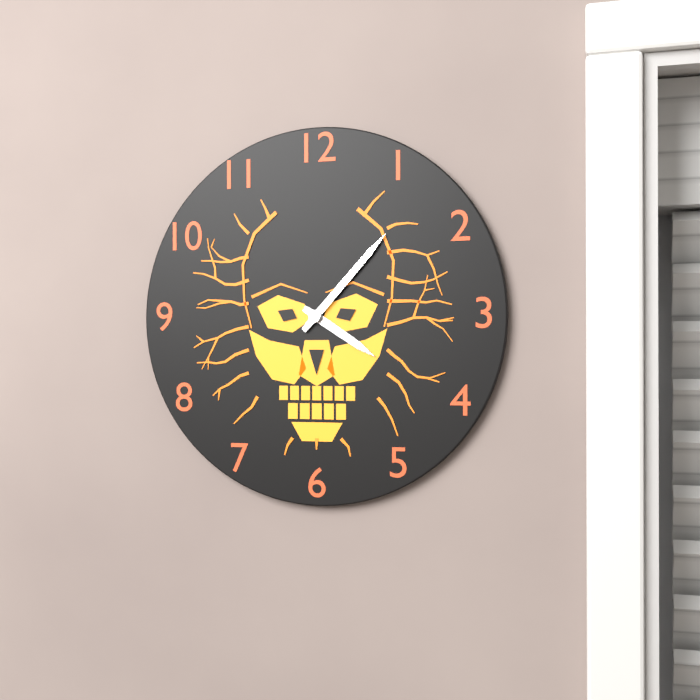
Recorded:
h=4 m=7
